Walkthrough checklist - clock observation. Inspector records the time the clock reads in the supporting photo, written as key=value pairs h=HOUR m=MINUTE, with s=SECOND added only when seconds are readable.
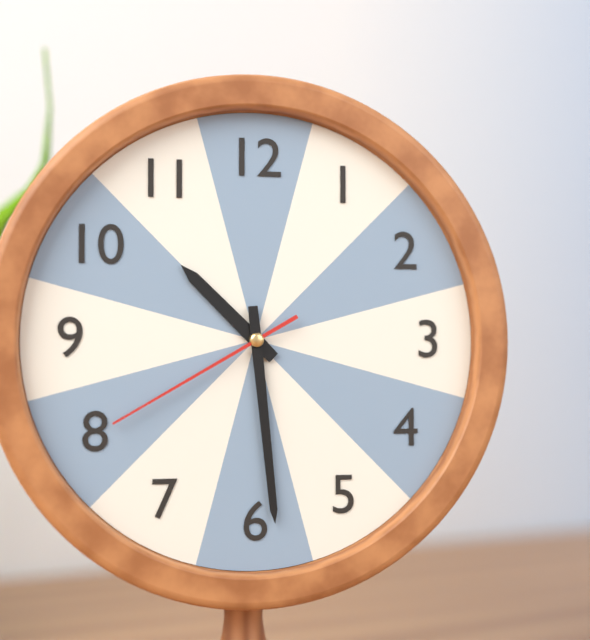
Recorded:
h=10 m=29 s=40
